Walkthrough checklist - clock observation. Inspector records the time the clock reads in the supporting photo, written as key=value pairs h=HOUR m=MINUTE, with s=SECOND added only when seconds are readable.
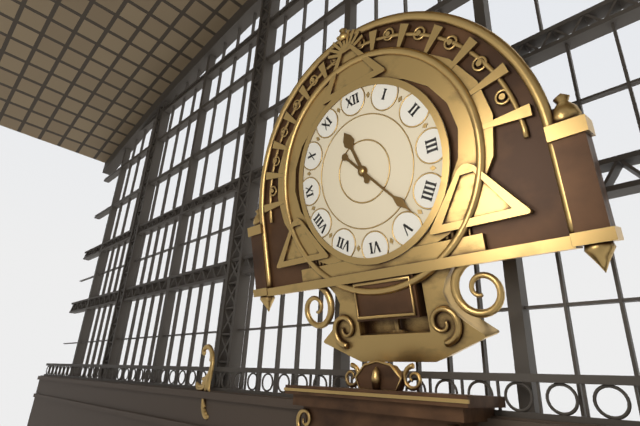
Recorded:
h=11 m=23
